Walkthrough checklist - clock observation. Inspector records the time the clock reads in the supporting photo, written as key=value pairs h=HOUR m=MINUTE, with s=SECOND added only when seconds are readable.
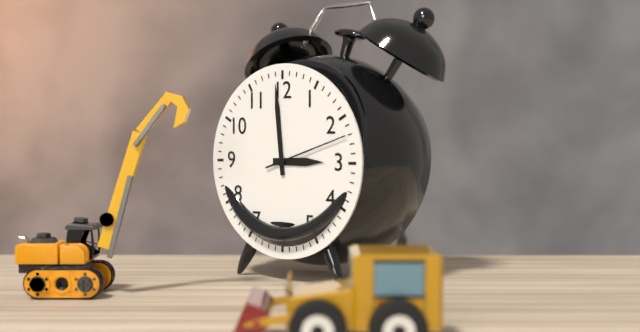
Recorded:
h=2 m=59 s=12
